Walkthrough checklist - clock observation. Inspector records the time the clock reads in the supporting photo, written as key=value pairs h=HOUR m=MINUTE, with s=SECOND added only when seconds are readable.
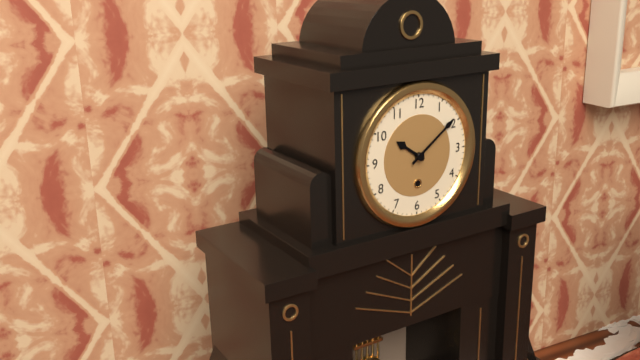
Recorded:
h=10 m=9
